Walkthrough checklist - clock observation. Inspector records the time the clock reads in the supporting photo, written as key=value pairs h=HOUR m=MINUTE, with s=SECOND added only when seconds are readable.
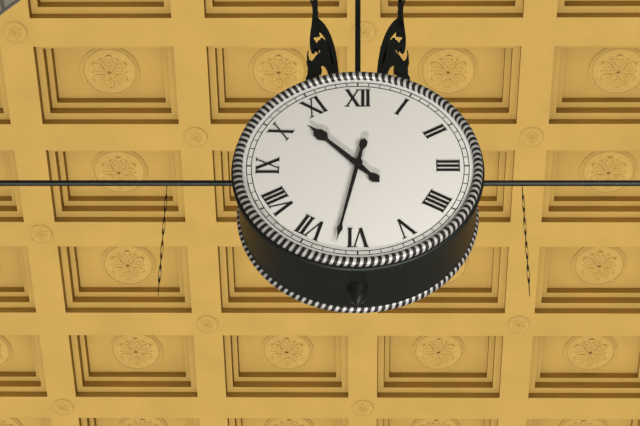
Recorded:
h=10 m=32
